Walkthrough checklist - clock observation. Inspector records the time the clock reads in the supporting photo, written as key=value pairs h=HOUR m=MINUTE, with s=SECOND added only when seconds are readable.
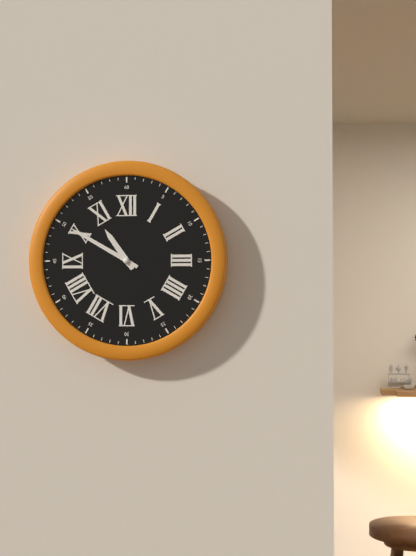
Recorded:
h=10 m=50
